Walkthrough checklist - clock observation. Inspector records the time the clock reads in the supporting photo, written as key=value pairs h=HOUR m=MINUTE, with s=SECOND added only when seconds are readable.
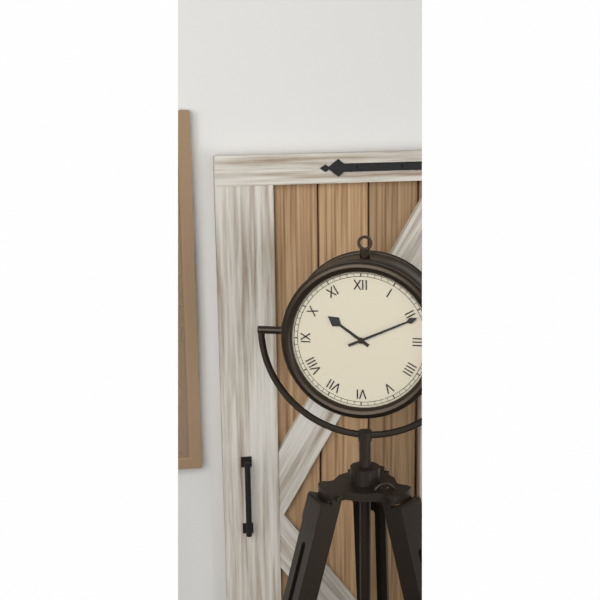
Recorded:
h=10 m=11
